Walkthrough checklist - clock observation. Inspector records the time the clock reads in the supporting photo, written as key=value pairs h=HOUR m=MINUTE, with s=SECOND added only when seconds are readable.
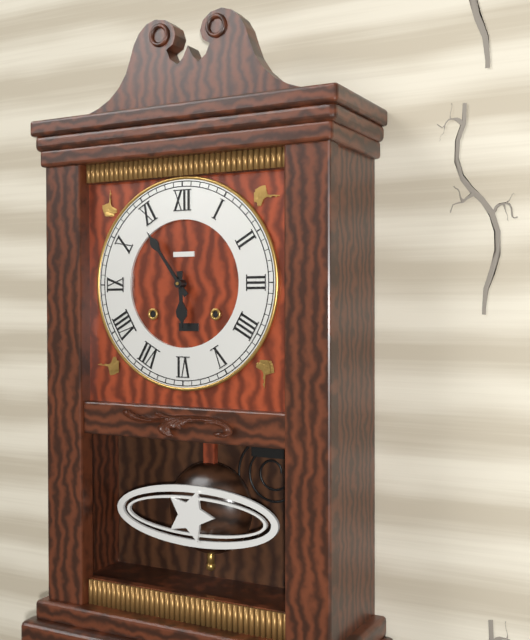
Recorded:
h=5 m=54
